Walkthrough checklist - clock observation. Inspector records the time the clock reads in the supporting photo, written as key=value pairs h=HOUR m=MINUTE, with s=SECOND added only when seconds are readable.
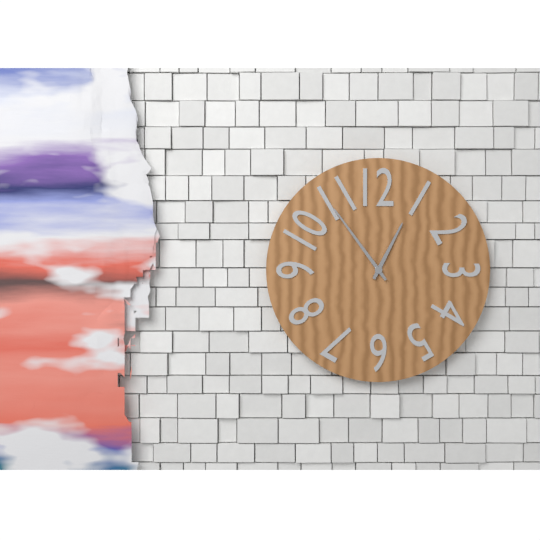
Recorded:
h=12 m=54
